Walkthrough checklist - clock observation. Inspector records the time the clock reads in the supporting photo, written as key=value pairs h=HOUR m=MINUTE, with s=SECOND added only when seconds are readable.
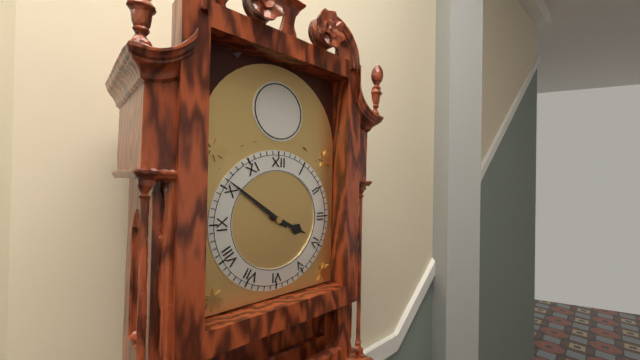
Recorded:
h=3 m=51
